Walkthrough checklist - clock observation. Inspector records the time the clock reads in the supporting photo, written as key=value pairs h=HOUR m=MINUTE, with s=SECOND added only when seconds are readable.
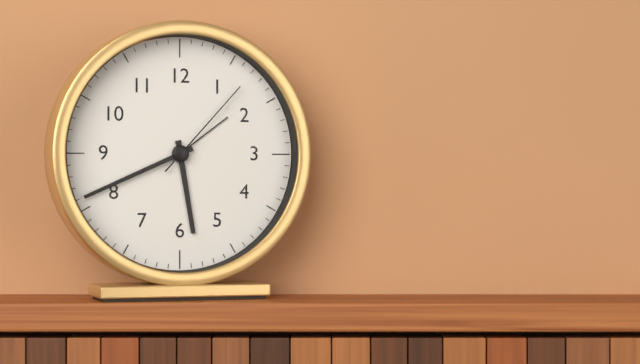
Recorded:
h=5 m=41 s=7
